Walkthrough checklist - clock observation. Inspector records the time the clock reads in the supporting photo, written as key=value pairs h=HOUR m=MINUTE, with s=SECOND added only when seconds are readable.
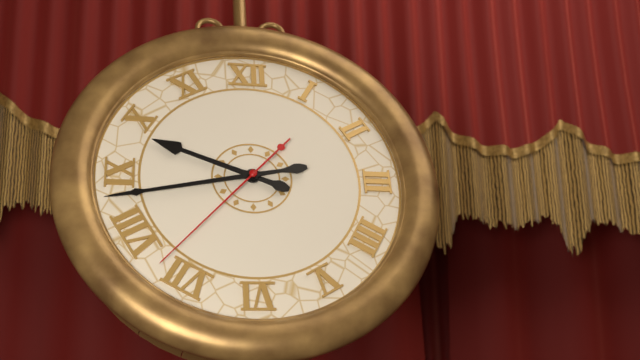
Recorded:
h=9 m=43 s=37
